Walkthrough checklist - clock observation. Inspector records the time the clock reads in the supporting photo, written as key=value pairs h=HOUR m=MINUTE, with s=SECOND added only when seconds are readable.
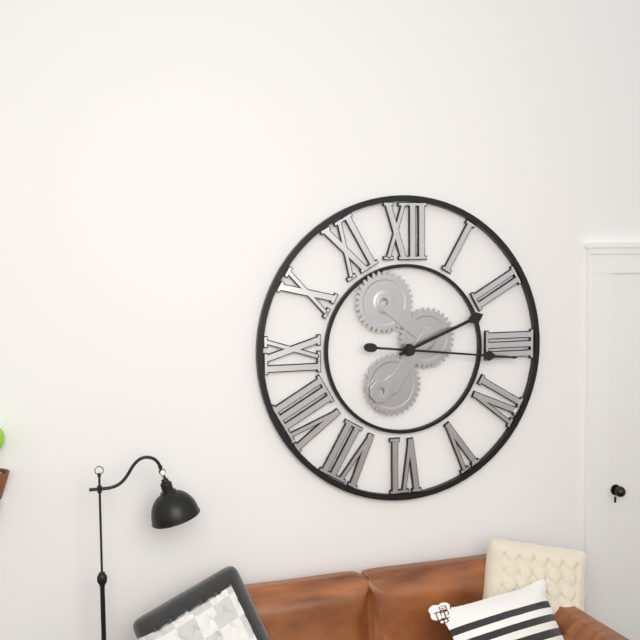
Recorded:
h=2 m=16
